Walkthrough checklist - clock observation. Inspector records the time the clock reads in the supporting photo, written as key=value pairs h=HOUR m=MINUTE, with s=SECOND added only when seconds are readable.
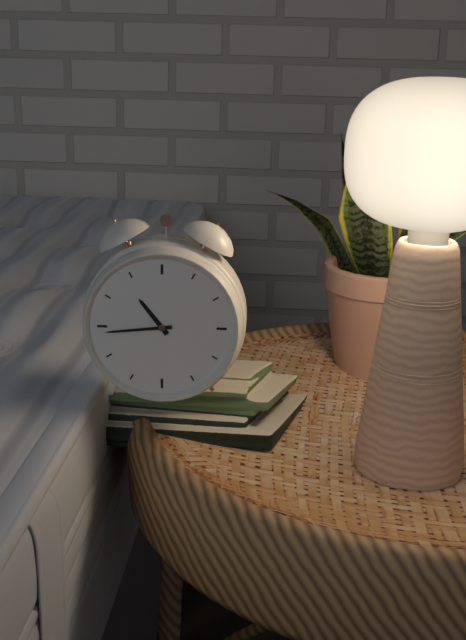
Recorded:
h=10 m=44
